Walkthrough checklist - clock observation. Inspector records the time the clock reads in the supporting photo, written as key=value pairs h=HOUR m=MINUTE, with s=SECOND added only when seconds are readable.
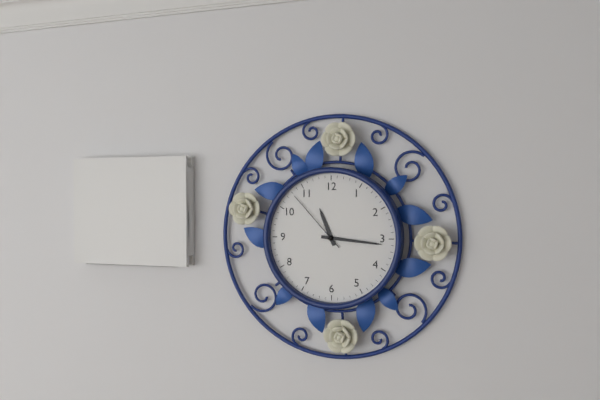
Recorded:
h=11 m=16 s=53
